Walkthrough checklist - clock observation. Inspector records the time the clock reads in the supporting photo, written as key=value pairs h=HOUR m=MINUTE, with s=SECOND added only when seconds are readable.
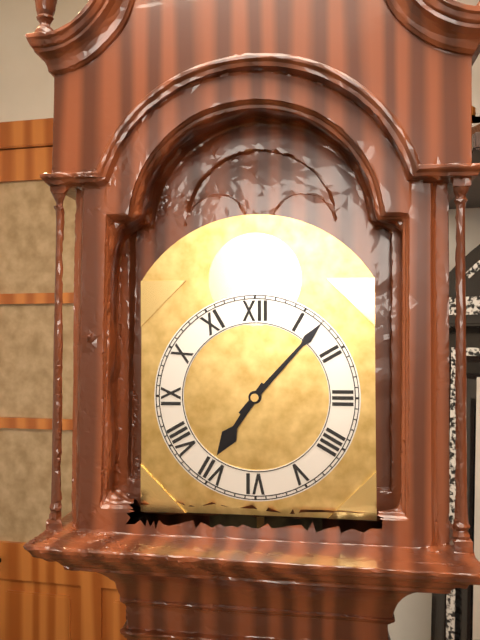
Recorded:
h=7 m=7
